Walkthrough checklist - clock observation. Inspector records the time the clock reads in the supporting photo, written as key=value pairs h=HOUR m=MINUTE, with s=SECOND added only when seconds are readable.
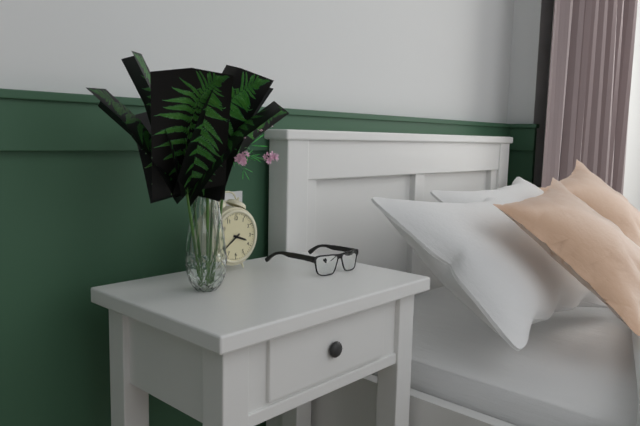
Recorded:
h=3 m=39
